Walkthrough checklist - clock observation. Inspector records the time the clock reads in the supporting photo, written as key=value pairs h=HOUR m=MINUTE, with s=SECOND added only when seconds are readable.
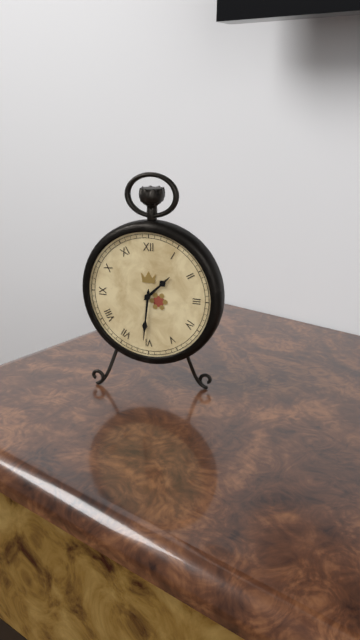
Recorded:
h=1 m=31
